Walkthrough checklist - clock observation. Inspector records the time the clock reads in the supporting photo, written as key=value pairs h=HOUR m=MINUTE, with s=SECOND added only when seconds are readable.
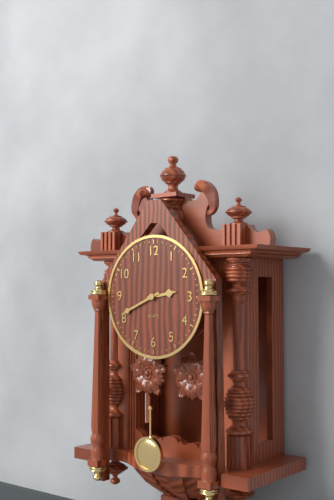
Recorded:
h=2 m=41
